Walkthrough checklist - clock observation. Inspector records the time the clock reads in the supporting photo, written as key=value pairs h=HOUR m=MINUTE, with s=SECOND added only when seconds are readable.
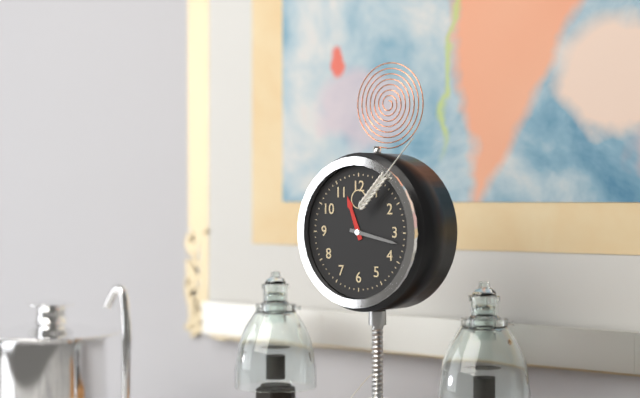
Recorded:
h=11 m=17
